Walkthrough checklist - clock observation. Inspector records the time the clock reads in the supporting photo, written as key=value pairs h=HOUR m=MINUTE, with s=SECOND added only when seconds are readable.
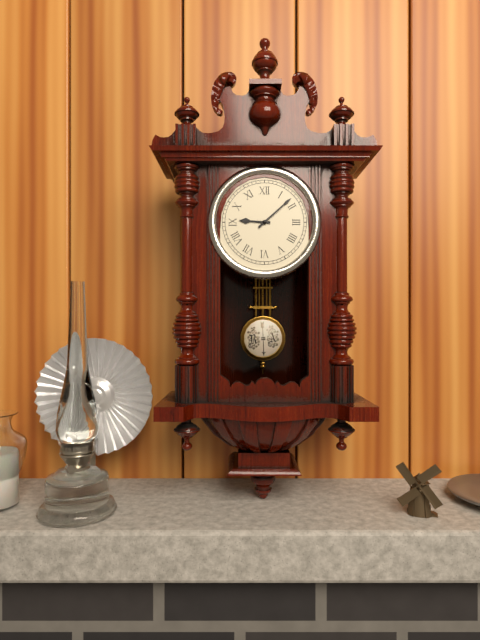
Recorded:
h=9 m=8
